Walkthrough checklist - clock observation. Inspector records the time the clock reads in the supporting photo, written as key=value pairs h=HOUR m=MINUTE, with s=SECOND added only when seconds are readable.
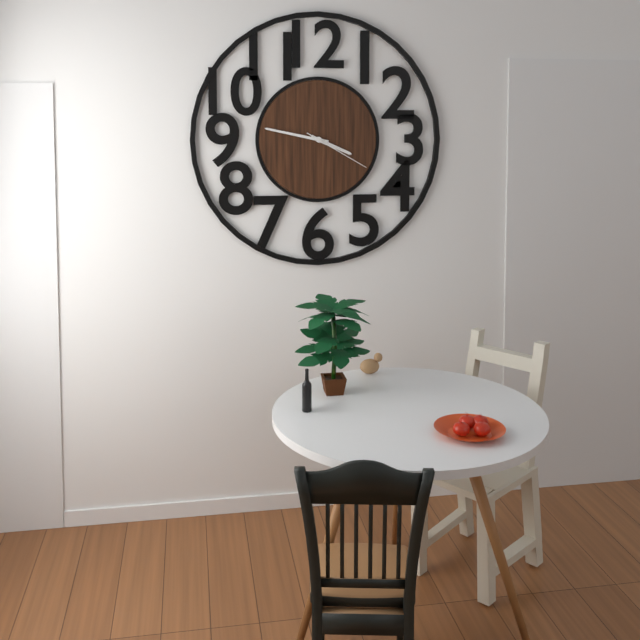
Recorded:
h=3 m=47 s=20
